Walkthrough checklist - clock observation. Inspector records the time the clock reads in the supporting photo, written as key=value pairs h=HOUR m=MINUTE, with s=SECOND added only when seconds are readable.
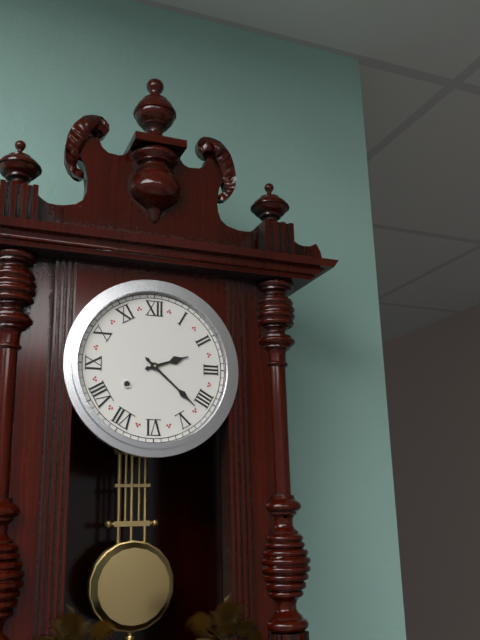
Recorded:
h=2 m=22
